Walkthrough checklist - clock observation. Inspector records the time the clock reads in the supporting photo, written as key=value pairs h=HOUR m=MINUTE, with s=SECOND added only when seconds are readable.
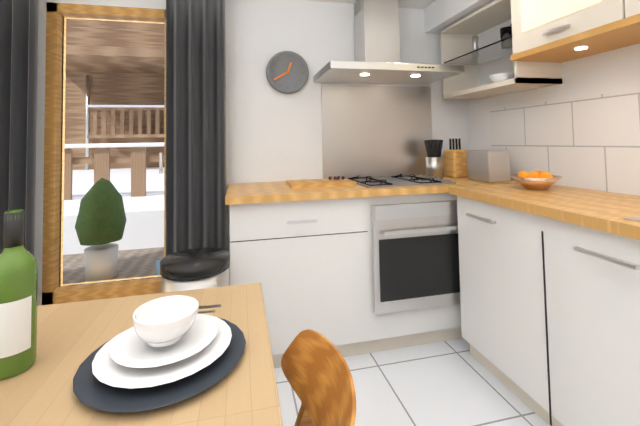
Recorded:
h=12 m=40
